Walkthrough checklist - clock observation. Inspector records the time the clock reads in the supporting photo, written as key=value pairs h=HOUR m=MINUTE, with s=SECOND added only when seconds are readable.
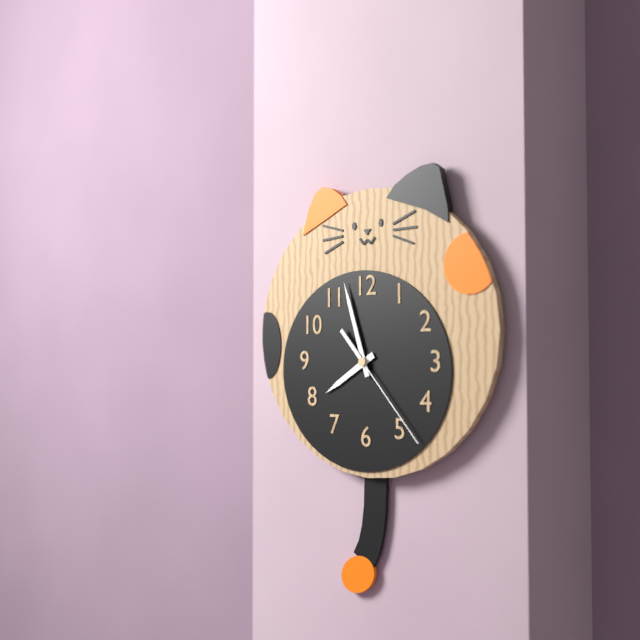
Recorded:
h=7 m=57 s=23
